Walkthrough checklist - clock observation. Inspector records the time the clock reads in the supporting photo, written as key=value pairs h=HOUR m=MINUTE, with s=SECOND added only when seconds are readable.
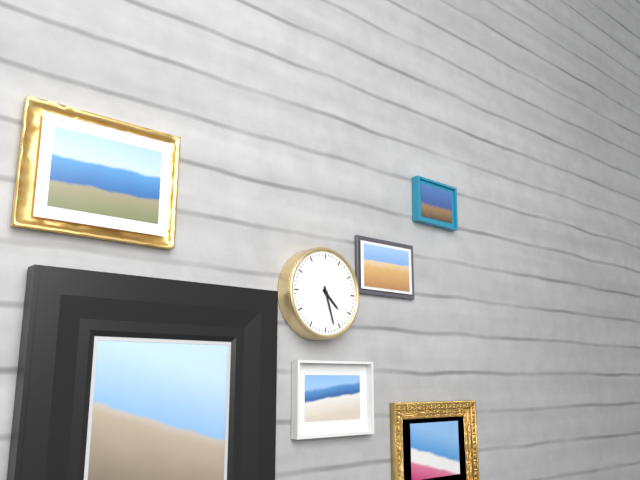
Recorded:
h=4 m=27
